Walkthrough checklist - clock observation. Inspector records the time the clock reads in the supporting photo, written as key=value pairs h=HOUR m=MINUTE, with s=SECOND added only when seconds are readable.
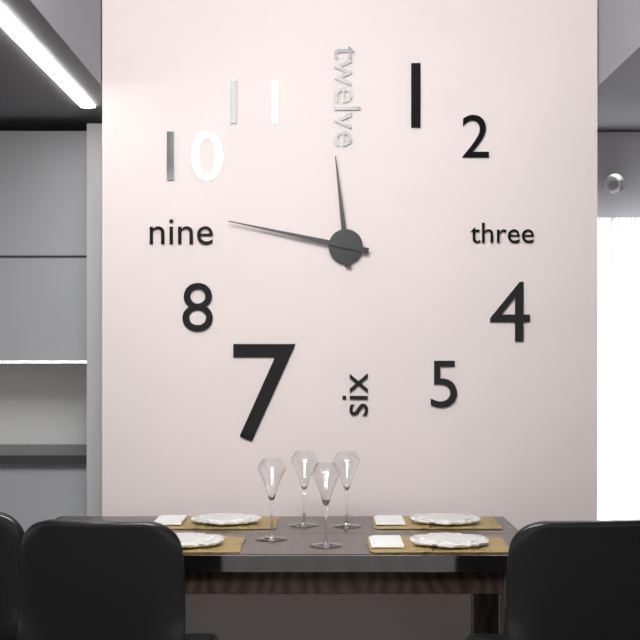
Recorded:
h=11 m=47
